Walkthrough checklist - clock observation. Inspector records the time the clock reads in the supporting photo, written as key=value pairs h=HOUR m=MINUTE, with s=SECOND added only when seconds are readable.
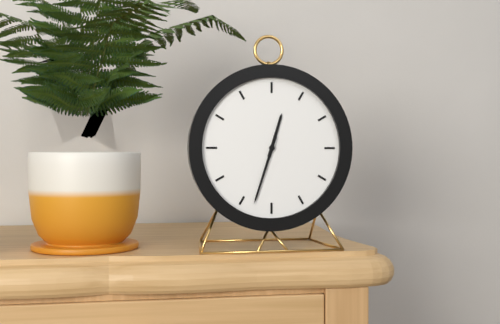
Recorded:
h=12 m=33
